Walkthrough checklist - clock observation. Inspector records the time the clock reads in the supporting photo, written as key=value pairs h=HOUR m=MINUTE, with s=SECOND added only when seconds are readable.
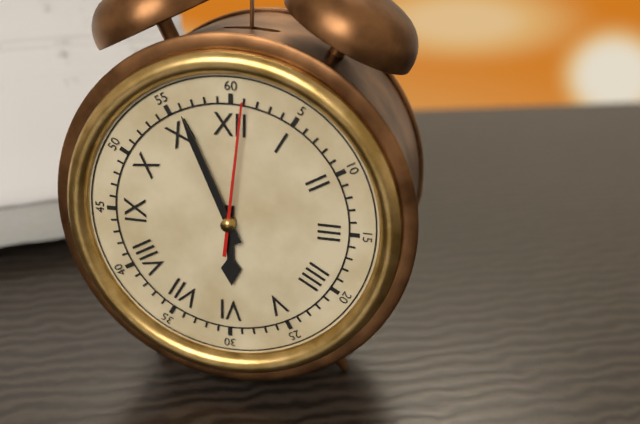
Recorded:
h=5 m=56 s=1
